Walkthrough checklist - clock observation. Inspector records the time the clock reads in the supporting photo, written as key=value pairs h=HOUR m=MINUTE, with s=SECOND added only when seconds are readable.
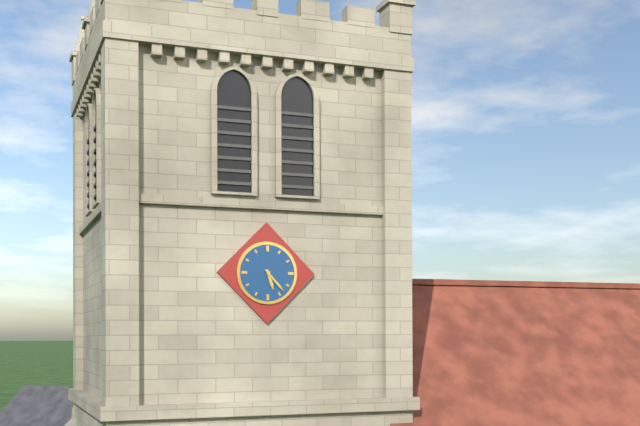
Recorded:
h=5 m=23
